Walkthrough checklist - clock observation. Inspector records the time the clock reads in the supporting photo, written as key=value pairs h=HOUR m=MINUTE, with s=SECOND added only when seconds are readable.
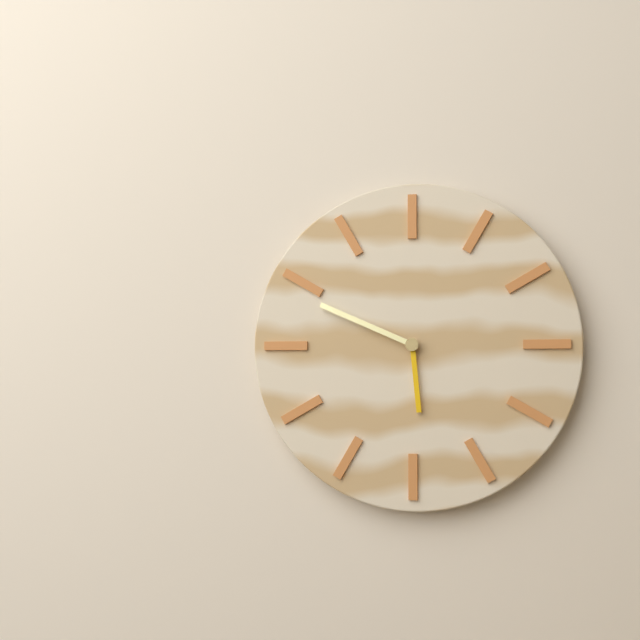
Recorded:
h=5 m=49
